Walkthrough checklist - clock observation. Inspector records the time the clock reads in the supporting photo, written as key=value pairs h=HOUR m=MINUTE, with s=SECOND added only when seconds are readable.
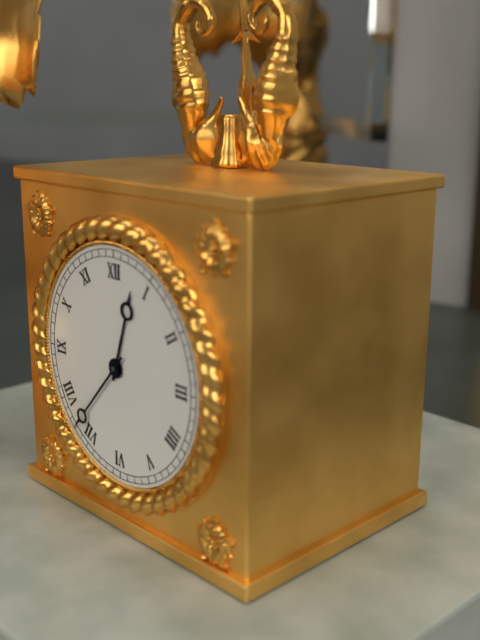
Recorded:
h=12 m=37
